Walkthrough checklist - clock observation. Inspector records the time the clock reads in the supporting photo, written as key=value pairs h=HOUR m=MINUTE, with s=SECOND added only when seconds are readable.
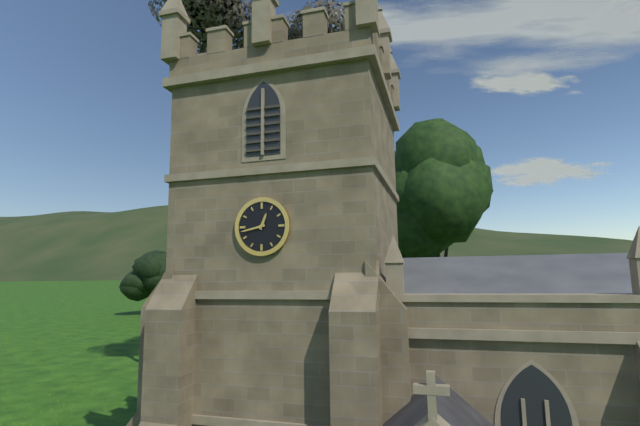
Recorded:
h=12 m=43
